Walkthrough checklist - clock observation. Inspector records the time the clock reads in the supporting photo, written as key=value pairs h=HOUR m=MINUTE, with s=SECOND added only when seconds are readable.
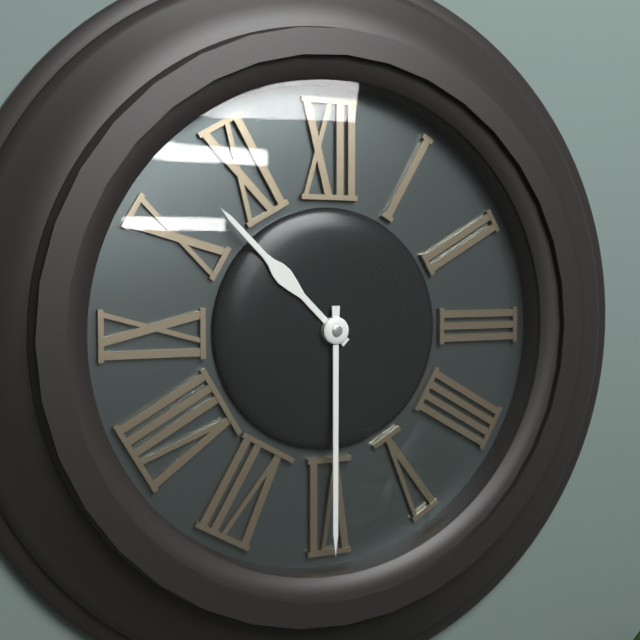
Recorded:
h=10 m=30
